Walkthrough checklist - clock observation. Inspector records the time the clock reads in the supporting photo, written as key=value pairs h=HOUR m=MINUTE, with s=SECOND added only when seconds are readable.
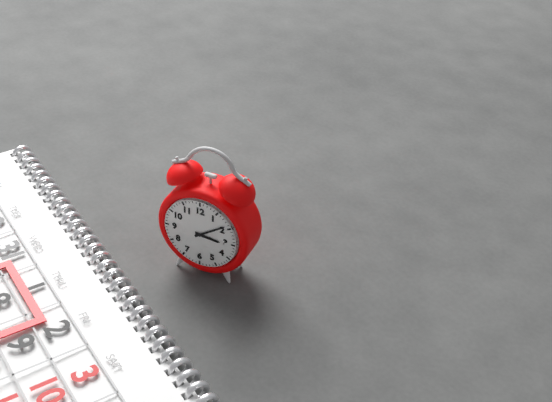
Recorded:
h=3 m=9
